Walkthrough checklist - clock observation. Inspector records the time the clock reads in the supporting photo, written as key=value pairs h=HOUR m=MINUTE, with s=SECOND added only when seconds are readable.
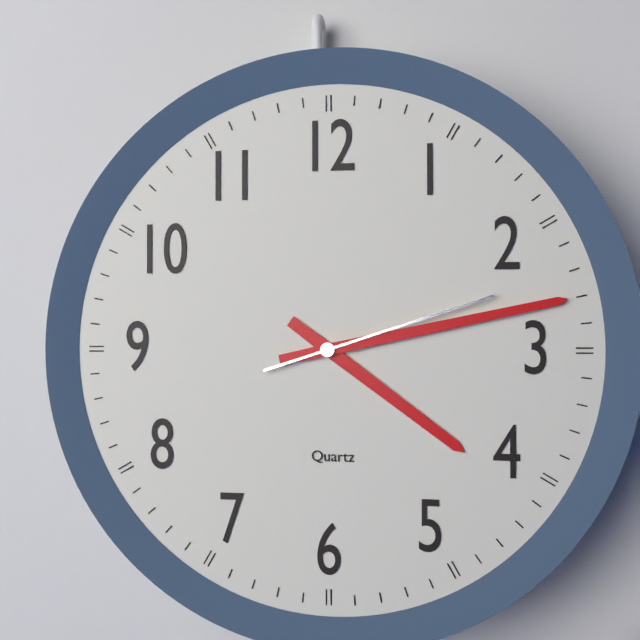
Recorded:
h=4 m=13 s=12
